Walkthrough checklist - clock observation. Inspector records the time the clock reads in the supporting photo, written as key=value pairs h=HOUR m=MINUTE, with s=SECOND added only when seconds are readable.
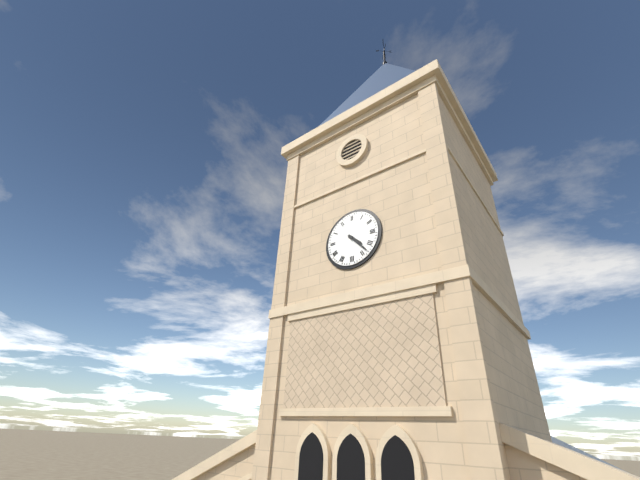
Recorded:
h=4 m=23
